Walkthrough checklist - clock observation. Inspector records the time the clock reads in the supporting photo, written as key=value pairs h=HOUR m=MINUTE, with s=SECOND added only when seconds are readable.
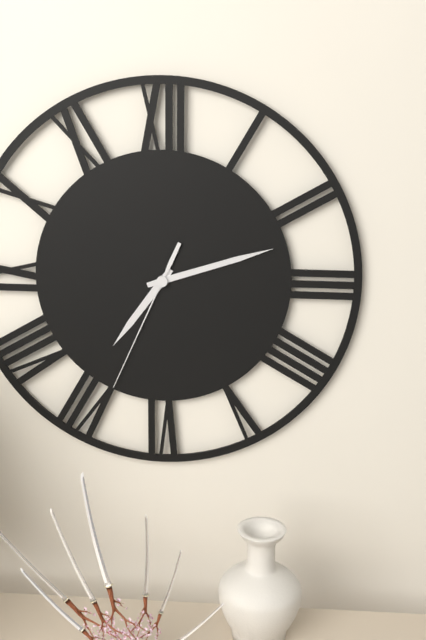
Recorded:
h=7 m=12 s=34
